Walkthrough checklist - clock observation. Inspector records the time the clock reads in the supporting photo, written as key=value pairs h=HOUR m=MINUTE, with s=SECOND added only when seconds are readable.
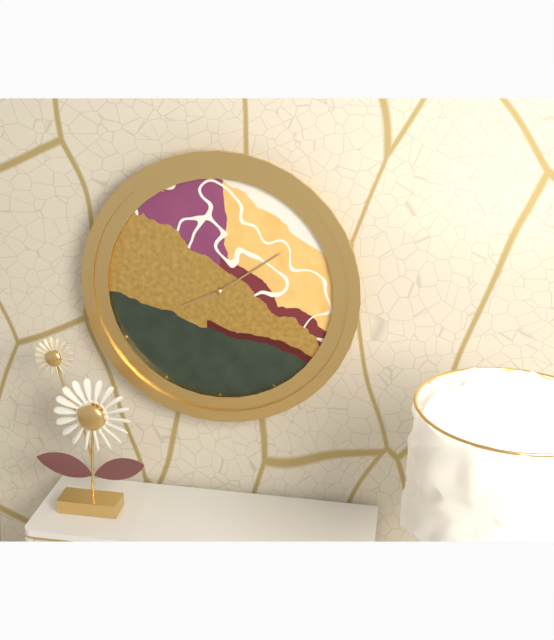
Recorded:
h=8 m=9
